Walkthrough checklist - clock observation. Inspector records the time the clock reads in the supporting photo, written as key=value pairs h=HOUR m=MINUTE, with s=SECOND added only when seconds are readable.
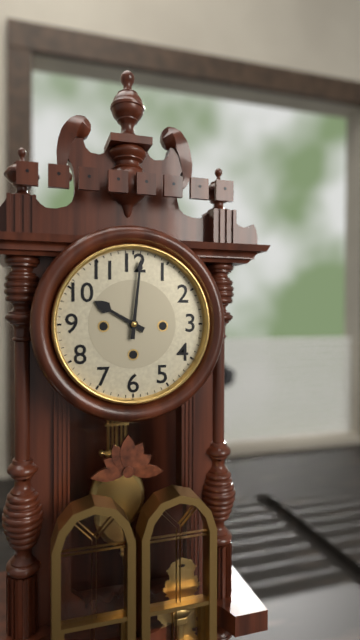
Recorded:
h=10 m=1
